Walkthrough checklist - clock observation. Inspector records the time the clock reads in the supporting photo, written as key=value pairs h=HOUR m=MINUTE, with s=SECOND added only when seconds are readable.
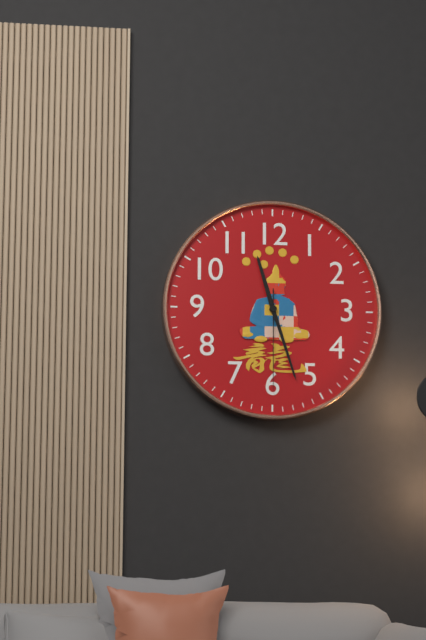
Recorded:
h=11 m=27 s=30
